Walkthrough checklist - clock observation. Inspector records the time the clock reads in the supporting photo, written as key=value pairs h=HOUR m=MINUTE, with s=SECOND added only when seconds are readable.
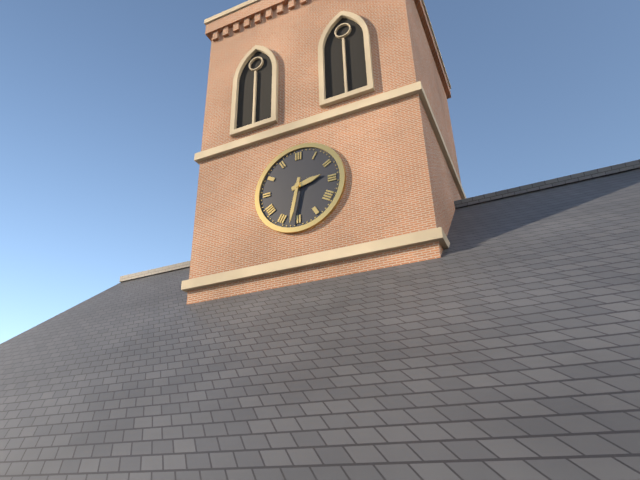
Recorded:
h=2 m=32
